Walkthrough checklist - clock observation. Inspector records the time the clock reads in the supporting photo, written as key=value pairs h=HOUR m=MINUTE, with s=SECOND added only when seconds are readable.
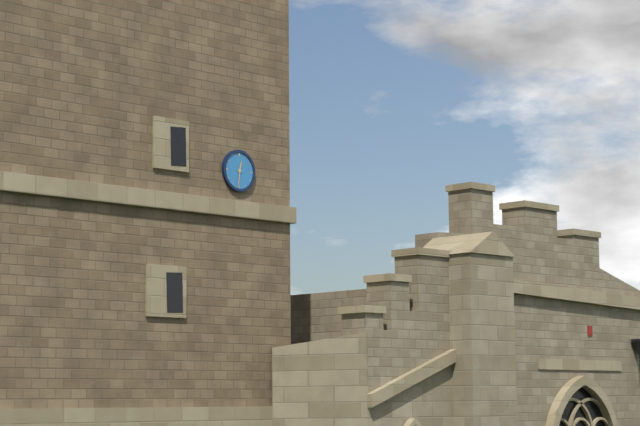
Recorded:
h=12 m=31
